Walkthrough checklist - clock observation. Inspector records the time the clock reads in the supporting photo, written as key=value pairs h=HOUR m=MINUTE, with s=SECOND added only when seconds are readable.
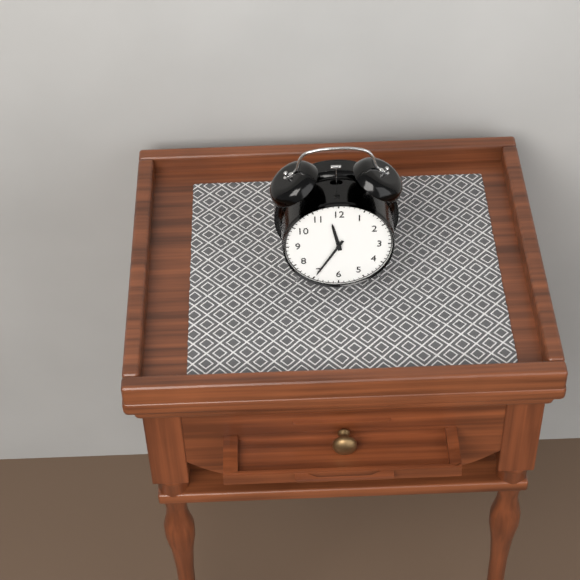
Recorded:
h=11 m=35
